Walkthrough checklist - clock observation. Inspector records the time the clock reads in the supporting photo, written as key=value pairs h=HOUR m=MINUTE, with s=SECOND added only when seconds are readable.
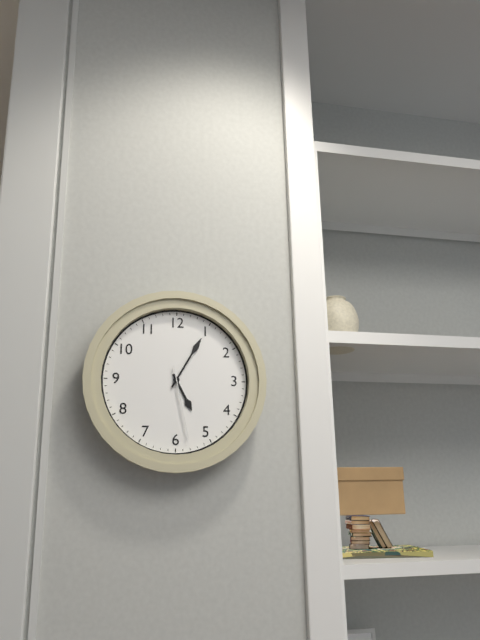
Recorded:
h=5 m=5 s=28
